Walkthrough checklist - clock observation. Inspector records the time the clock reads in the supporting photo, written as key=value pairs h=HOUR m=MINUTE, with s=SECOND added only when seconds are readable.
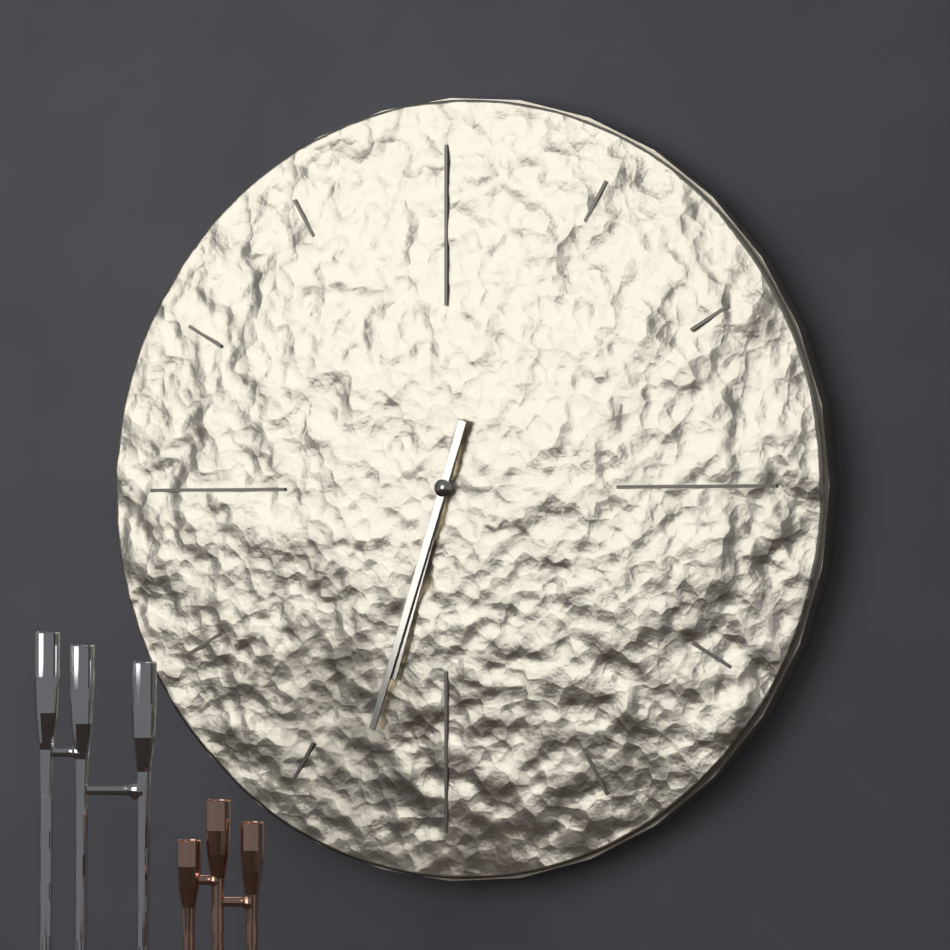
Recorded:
h=6 m=33
